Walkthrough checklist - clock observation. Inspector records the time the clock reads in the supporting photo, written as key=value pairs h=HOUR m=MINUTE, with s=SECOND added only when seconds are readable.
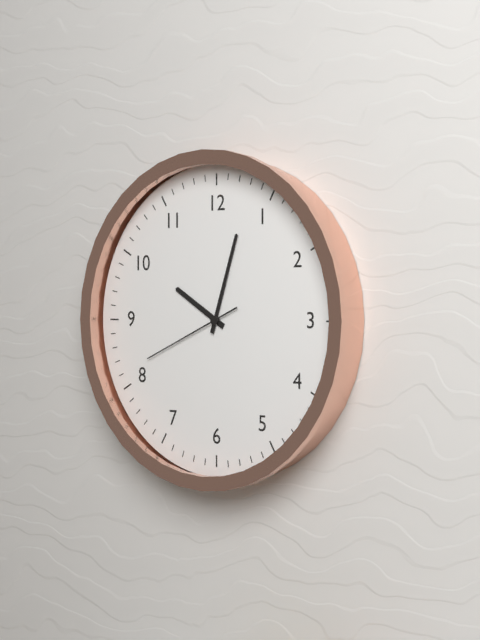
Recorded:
h=10 m=3 s=41
